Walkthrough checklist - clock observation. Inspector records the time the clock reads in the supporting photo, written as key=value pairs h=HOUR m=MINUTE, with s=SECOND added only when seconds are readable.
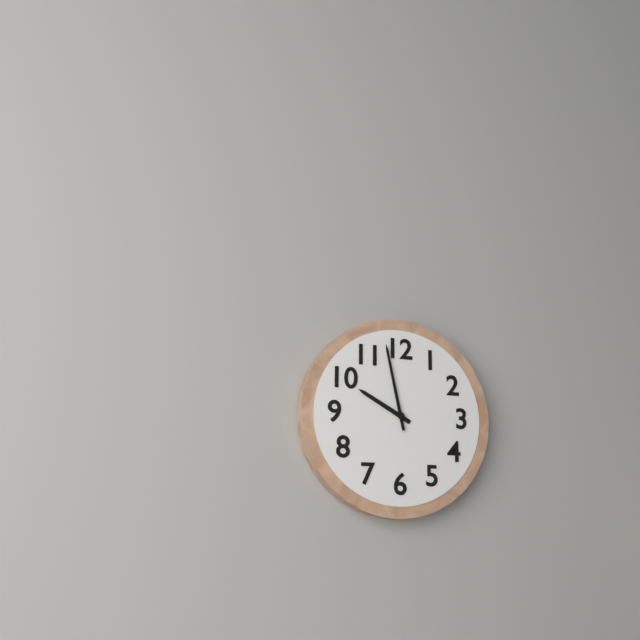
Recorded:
h=9 m=58
